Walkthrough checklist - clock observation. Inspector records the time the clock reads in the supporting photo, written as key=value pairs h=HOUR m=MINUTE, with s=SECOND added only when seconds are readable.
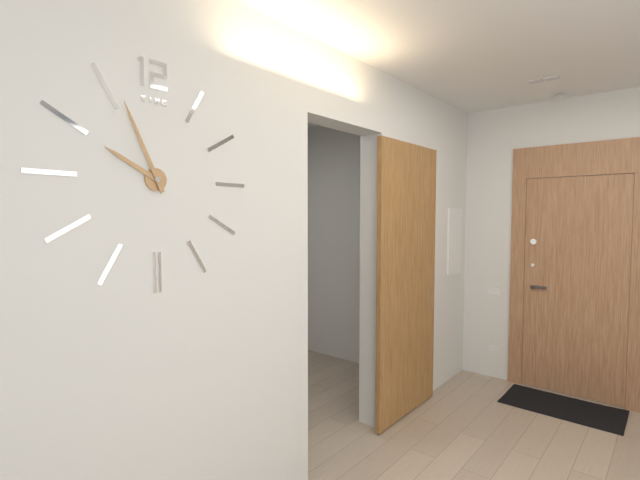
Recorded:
h=9 m=56
